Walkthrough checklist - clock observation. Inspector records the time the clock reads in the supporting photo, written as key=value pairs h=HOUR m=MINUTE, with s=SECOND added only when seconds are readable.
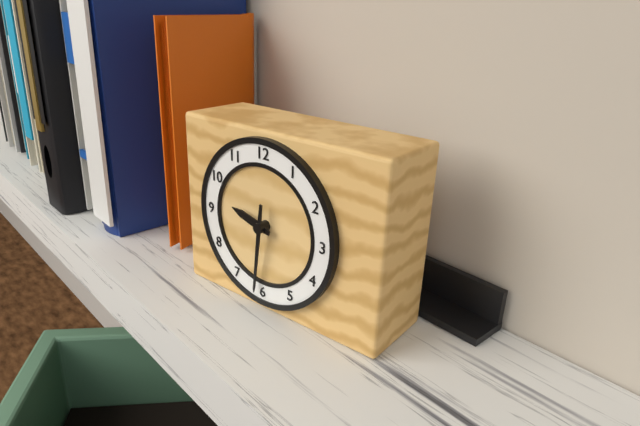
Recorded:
h=9 m=31
